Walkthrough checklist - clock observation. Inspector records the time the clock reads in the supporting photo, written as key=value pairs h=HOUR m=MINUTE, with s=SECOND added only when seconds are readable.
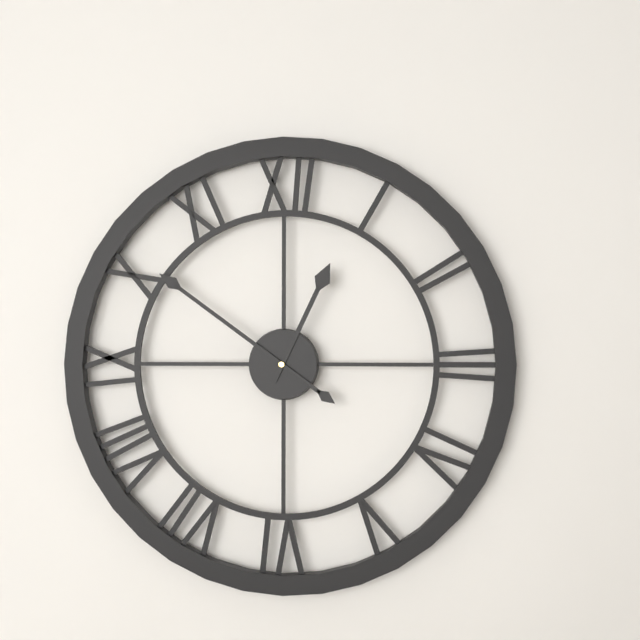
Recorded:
h=12 m=51
